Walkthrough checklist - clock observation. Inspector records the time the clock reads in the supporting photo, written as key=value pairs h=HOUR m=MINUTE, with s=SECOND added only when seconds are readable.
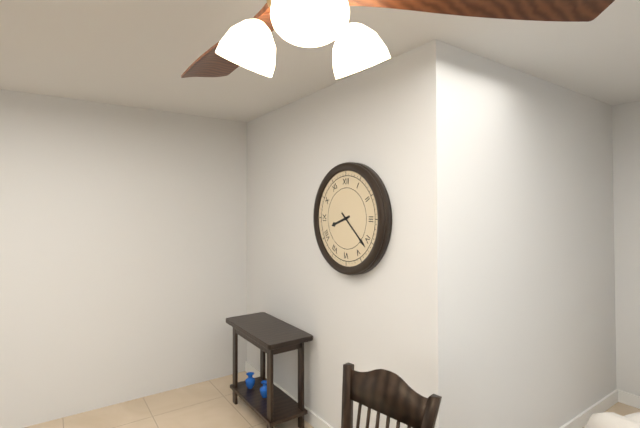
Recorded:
h=8 m=22
